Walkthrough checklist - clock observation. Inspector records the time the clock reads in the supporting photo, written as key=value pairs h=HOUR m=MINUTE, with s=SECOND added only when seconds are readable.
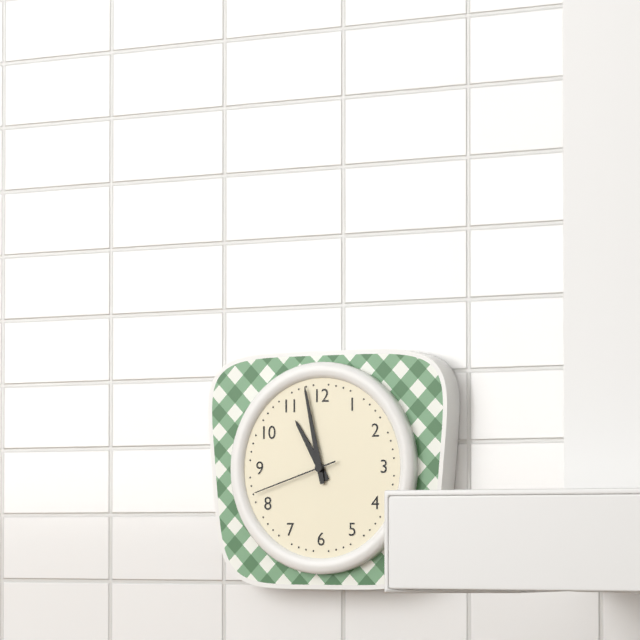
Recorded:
h=10 m=58 s=42
